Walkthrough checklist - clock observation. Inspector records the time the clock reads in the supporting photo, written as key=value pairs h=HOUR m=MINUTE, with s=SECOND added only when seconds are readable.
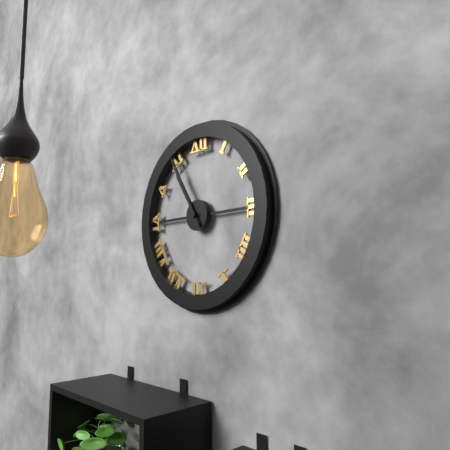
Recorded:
h=10 m=55
